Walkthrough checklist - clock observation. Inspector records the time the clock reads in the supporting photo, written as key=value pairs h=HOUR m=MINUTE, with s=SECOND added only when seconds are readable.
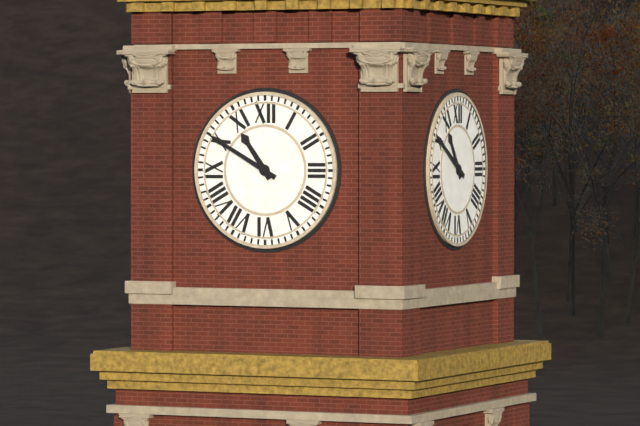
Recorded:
h=10 m=50
